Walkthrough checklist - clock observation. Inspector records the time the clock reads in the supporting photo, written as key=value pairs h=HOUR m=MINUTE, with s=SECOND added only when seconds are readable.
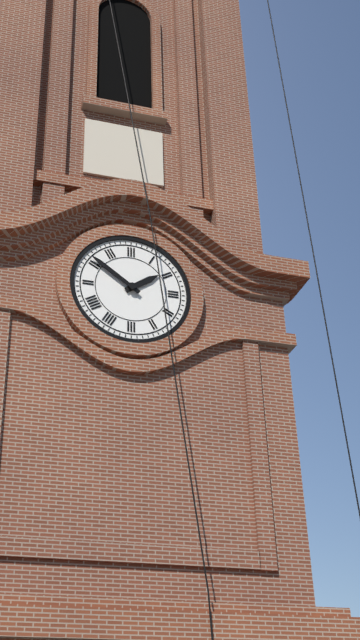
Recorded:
h=1 m=51
